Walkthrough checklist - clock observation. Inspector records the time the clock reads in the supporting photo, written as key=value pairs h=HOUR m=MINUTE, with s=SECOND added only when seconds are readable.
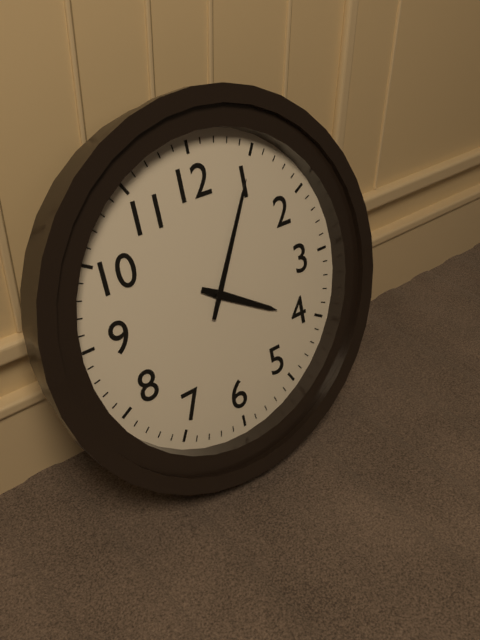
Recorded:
h=4 m=5
